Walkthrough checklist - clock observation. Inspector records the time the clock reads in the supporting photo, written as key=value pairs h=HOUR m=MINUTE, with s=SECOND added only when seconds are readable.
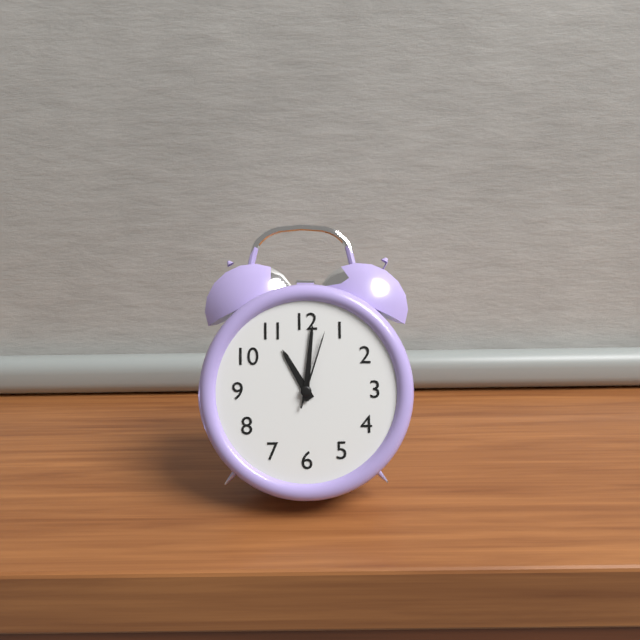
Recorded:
h=11 m=1 s=3
